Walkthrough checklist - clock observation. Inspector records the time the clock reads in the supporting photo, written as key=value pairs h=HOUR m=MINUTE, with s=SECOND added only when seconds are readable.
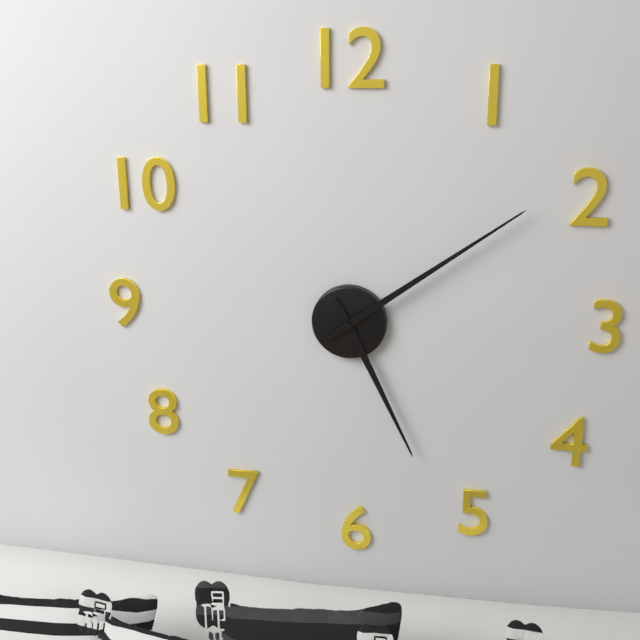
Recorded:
h=5 m=9
